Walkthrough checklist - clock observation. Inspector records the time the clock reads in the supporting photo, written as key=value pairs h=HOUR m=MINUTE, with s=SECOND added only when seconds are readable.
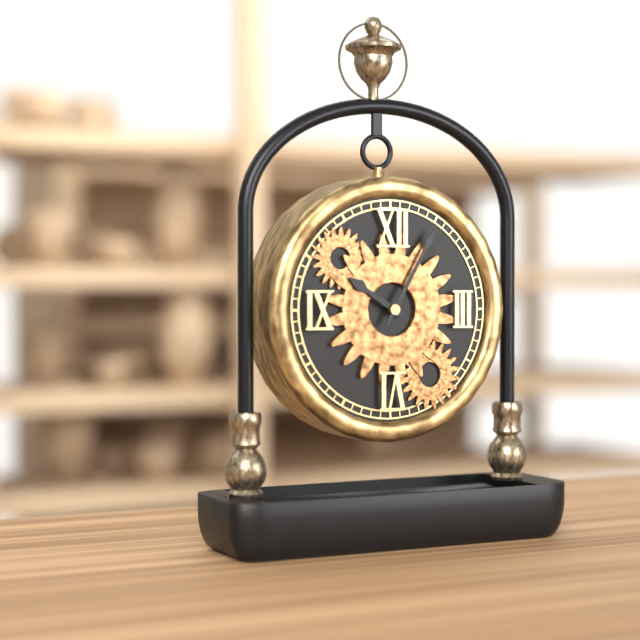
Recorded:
h=10 m=5
